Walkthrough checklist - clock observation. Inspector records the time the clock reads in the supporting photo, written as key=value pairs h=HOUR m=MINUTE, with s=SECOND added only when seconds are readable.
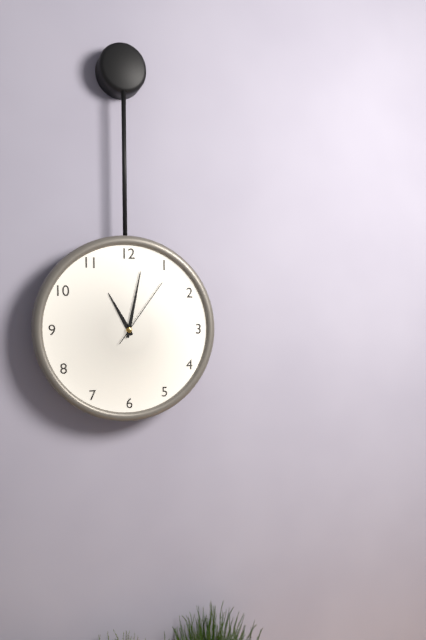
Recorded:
h=11 m=2 s=6
